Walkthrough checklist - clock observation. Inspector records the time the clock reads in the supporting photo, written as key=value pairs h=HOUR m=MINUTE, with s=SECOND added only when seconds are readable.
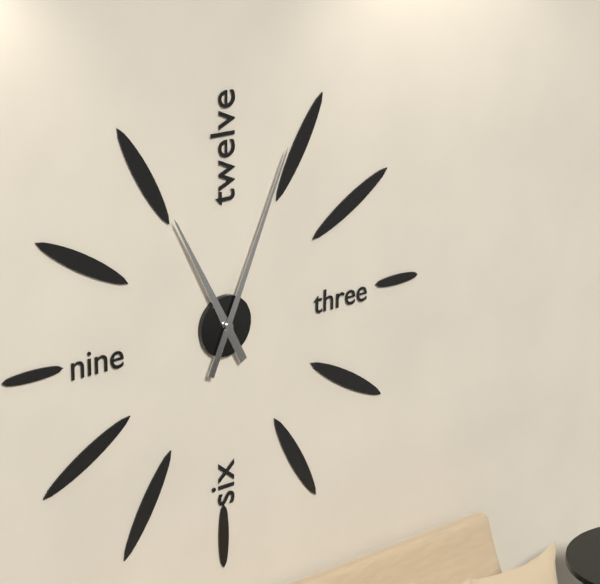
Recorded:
h=11 m=4
